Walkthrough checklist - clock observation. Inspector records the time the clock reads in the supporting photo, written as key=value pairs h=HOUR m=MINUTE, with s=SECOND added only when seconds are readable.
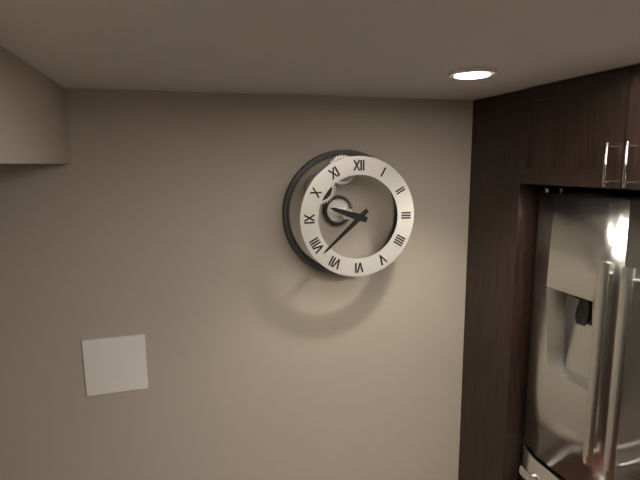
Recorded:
h=9 m=38
